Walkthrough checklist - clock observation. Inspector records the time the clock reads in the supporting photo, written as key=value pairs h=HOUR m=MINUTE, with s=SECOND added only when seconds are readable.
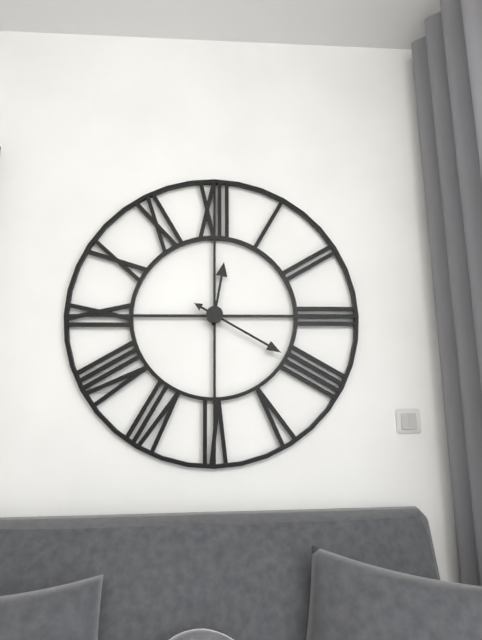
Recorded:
h=12 m=20
